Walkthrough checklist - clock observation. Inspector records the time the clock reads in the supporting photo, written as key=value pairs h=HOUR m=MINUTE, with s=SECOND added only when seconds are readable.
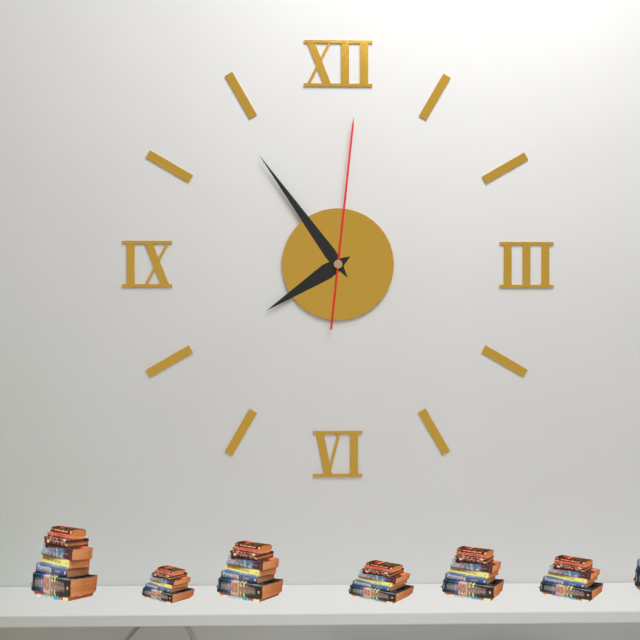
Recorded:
h=7 m=54 s=1
